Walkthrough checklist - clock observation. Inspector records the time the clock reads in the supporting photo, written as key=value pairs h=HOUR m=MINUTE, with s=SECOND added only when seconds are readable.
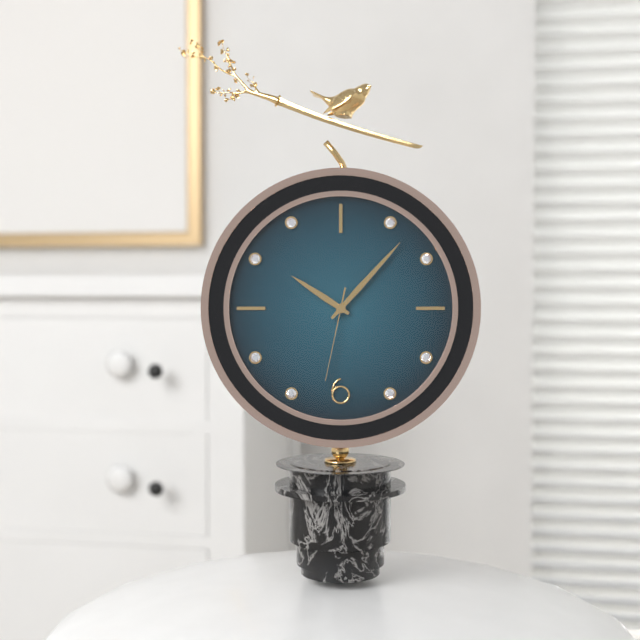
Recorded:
h=10 m=7 s=32
